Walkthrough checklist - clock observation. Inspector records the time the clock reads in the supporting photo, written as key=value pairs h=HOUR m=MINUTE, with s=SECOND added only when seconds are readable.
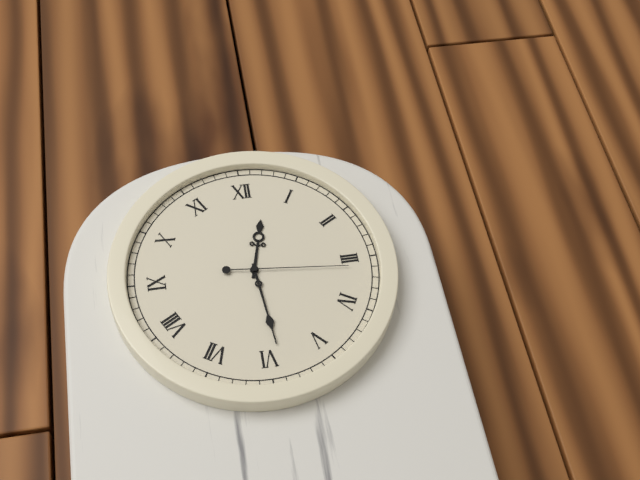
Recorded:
h=12 m=29 s=16
